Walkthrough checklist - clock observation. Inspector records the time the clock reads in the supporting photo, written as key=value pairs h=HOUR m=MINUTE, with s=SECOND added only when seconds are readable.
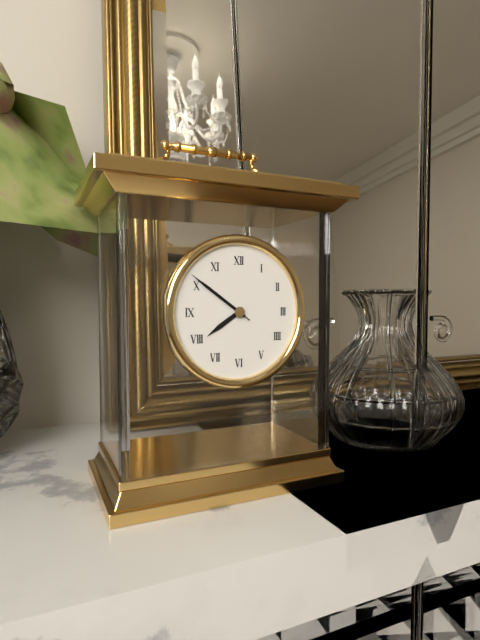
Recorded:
h=7 m=51 s=51
